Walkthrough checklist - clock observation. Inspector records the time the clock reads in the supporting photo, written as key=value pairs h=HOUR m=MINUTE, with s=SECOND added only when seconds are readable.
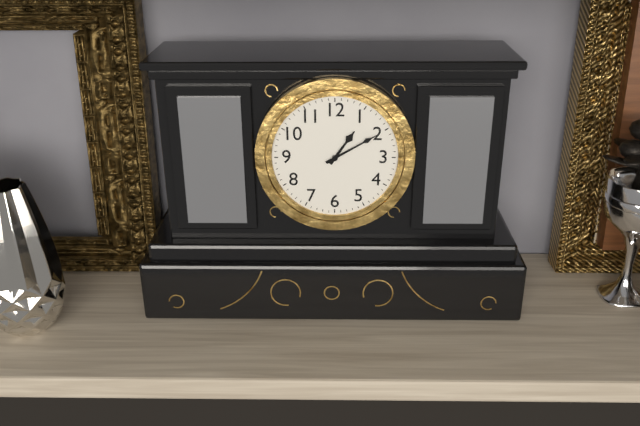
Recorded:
h=1 m=10
